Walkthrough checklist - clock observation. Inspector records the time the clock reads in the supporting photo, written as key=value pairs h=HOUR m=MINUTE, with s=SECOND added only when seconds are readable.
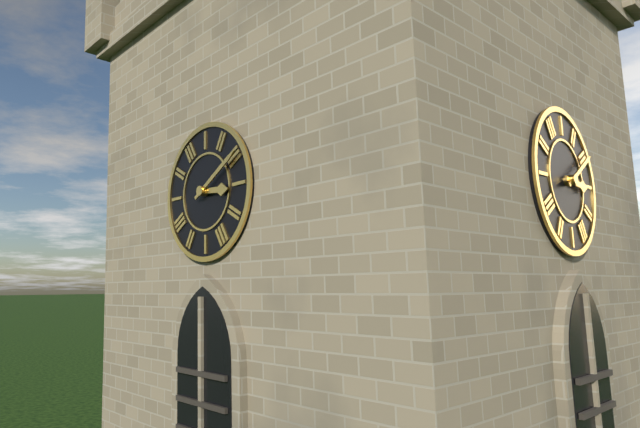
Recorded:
h=3 m=10
